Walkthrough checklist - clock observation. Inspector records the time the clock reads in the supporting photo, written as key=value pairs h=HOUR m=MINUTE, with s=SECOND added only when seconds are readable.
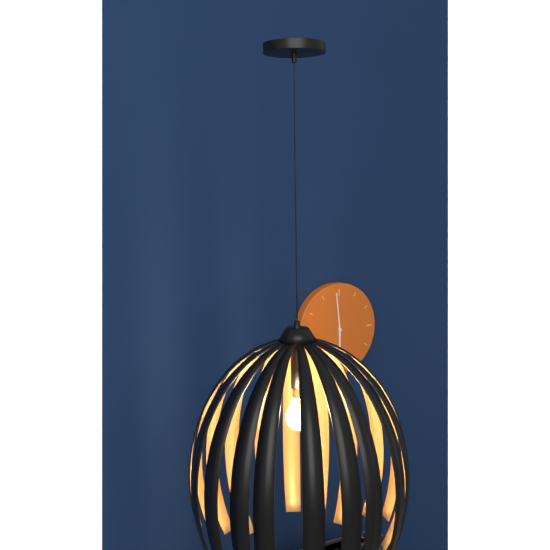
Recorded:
h=5 m=59
